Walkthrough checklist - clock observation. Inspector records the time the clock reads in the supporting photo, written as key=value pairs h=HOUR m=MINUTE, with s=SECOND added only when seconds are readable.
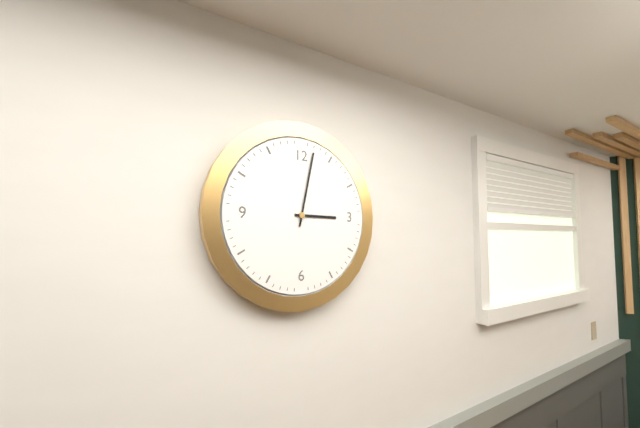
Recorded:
h=3 m=2
